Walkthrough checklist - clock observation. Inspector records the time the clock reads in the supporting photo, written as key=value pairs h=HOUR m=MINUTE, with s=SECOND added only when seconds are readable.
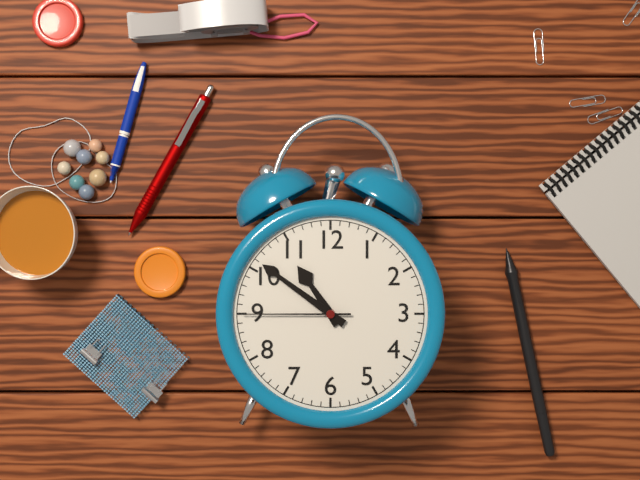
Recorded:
h=10 m=51 s=45
